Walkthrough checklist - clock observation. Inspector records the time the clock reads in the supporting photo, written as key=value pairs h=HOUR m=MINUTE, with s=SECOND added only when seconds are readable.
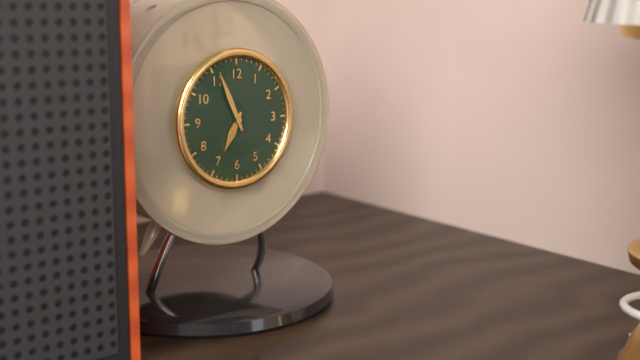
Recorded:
h=6 m=56
